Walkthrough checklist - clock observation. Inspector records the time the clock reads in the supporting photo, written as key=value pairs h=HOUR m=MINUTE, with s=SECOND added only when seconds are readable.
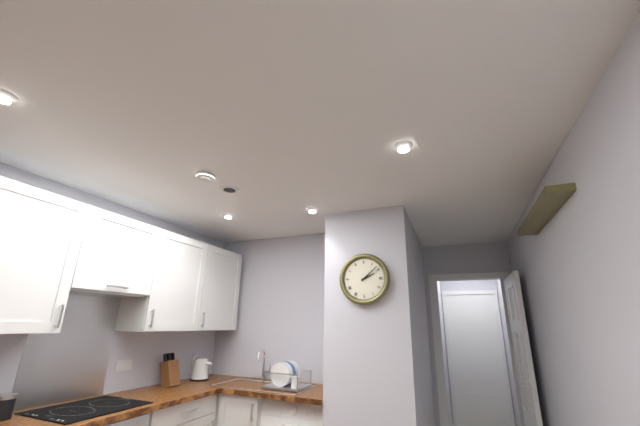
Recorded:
h=2 m=8
